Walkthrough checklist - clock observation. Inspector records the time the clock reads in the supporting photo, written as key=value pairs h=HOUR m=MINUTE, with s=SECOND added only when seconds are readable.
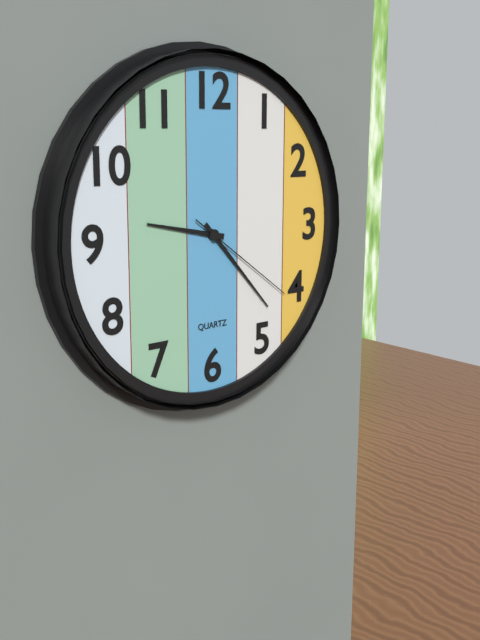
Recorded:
h=9 m=23 s=21
